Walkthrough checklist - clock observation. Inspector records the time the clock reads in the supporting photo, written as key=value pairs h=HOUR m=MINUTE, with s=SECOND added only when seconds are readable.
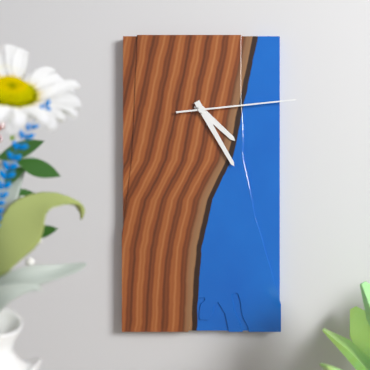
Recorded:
h=4 m=25 s=14
